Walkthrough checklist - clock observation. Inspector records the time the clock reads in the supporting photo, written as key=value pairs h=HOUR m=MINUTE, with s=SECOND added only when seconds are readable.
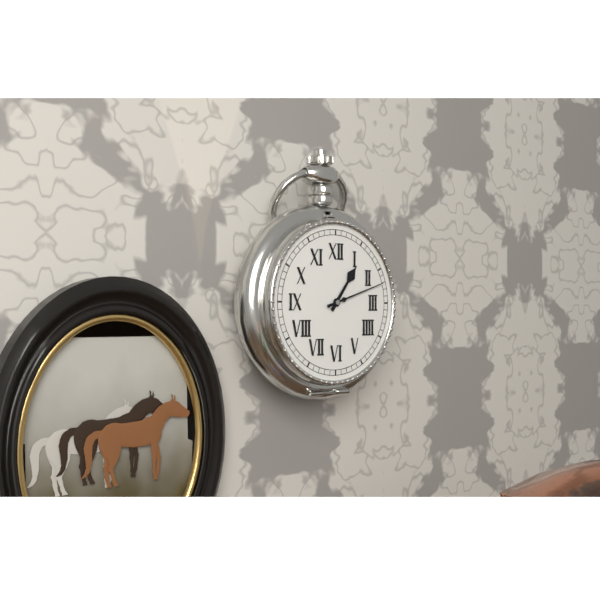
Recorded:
h=1 m=12
